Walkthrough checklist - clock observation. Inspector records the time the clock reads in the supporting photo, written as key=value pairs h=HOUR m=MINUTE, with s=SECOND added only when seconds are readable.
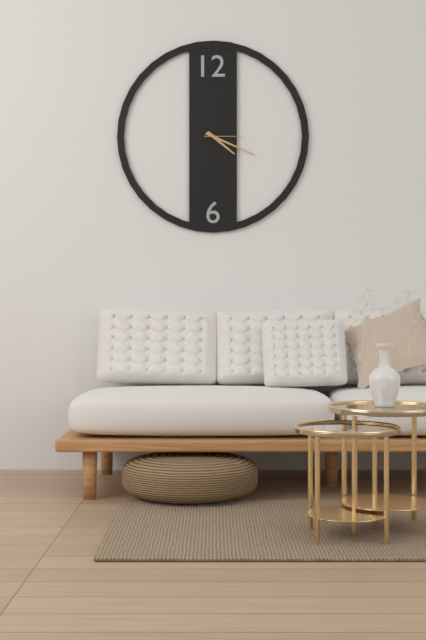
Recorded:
h=4 m=19
